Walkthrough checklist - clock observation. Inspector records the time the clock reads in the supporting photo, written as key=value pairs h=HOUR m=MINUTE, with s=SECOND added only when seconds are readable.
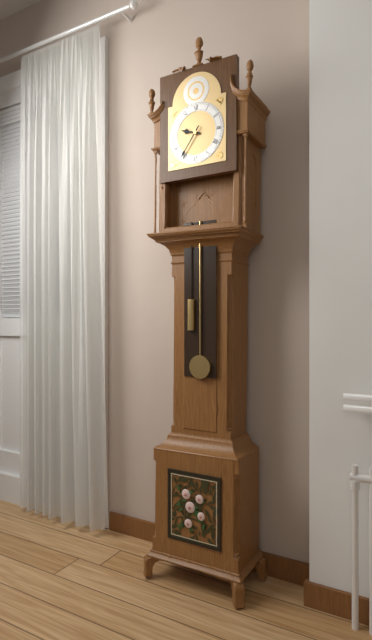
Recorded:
h=9 m=36
